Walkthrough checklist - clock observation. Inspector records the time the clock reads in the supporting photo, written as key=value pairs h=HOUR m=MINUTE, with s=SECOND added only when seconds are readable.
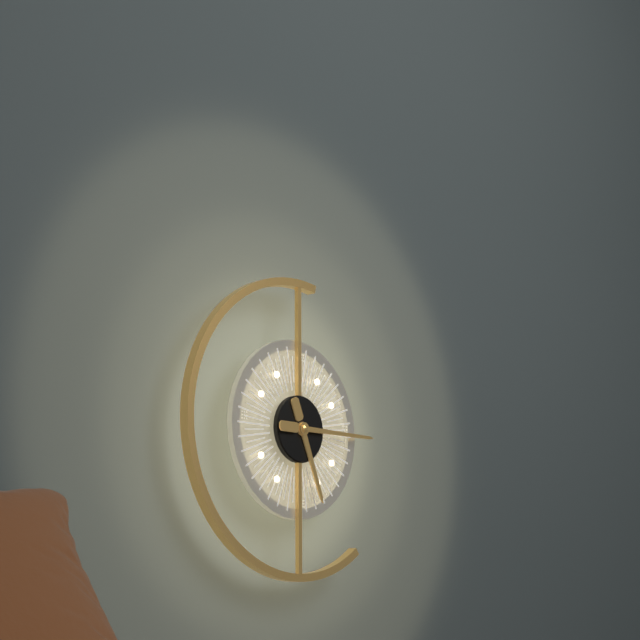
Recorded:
h=5 m=15
